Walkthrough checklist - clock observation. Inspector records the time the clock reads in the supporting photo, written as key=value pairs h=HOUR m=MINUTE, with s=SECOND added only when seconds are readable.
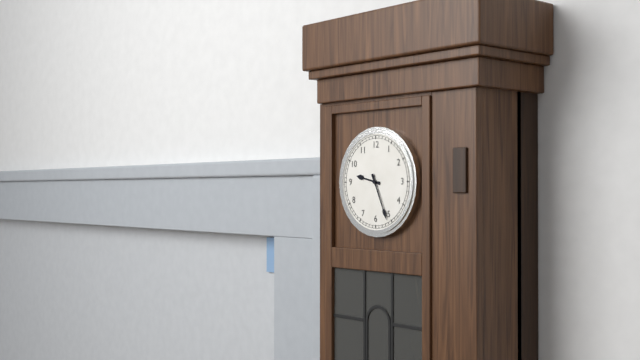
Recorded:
h=9 m=26
